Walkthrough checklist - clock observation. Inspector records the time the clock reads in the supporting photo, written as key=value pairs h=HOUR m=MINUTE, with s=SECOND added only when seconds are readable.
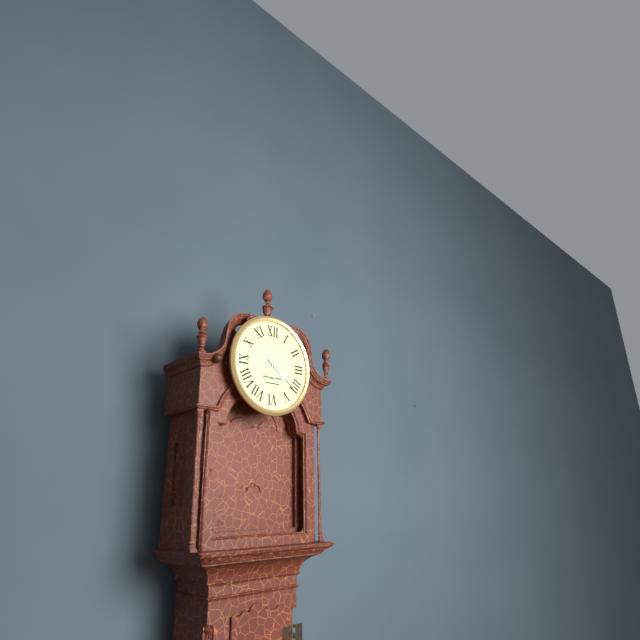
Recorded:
h=4 m=21
